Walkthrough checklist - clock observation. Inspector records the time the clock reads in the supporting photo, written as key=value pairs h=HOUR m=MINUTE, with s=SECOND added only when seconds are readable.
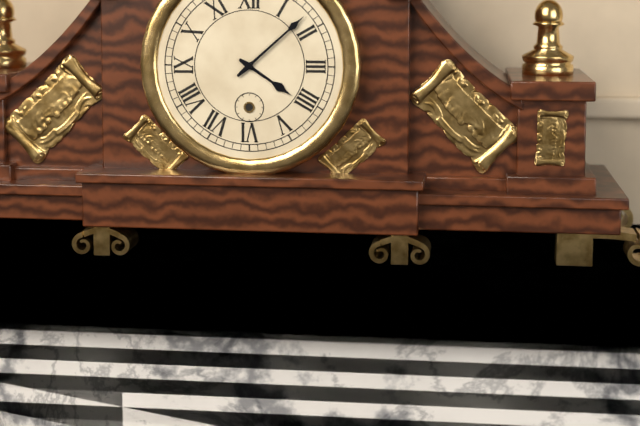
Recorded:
h=4 m=8
